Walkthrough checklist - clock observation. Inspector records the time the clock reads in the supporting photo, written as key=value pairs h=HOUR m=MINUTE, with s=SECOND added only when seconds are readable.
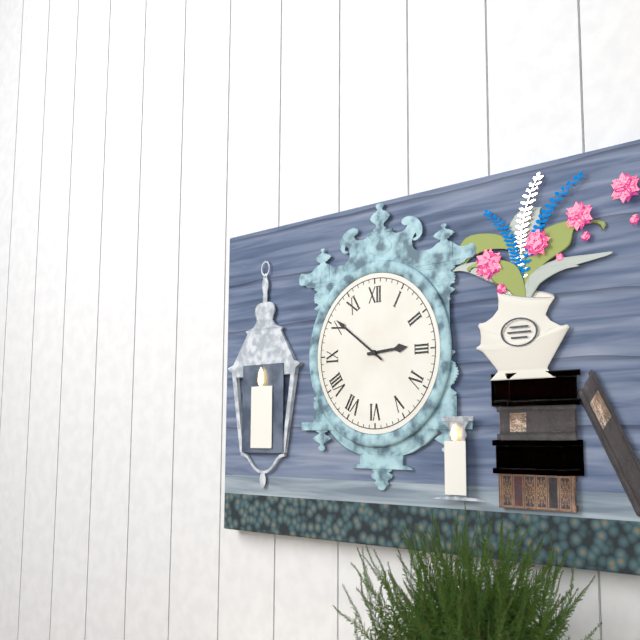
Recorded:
h=2 m=51
